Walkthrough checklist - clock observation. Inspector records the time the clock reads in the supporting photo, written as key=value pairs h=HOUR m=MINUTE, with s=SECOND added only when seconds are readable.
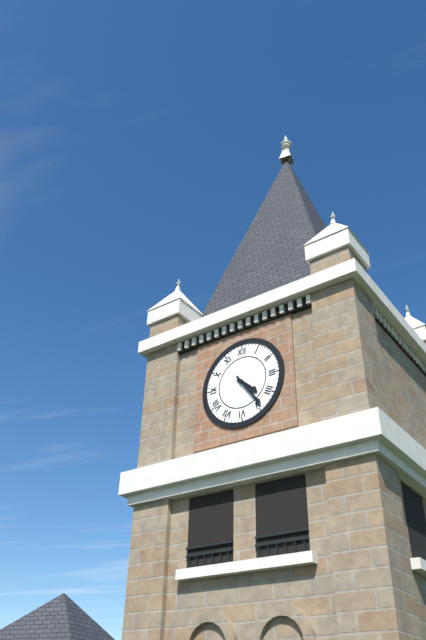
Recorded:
h=4 m=24
